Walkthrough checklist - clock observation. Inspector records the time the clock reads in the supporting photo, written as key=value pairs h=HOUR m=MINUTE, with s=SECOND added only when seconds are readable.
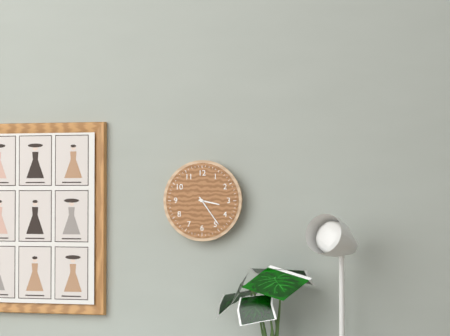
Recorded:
h=3 m=24
